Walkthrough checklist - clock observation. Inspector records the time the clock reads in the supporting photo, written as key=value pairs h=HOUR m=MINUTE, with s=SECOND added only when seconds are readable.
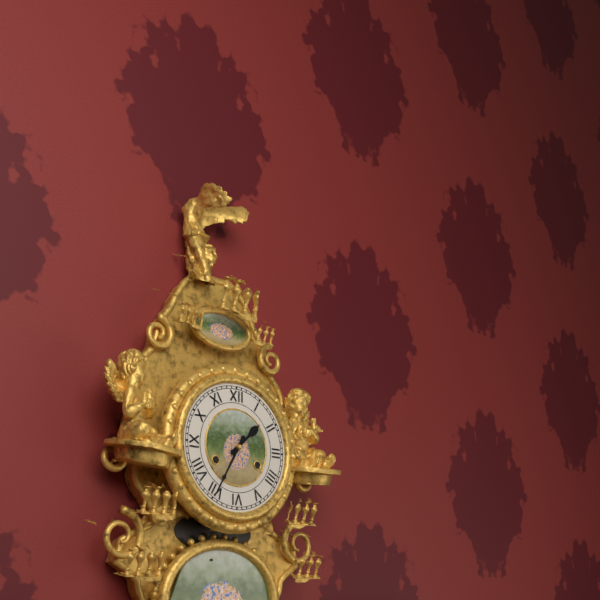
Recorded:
h=1 m=35
